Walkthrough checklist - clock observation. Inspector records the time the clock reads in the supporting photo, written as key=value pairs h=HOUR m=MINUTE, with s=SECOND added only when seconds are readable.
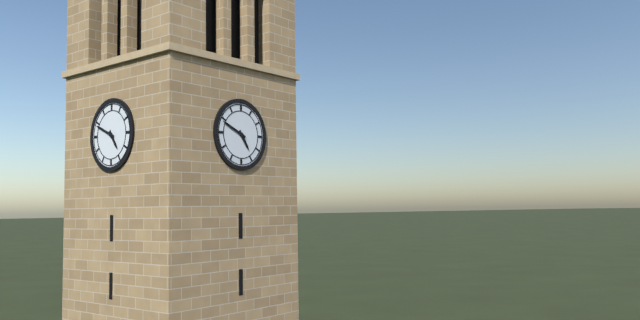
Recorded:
h=4 m=49
